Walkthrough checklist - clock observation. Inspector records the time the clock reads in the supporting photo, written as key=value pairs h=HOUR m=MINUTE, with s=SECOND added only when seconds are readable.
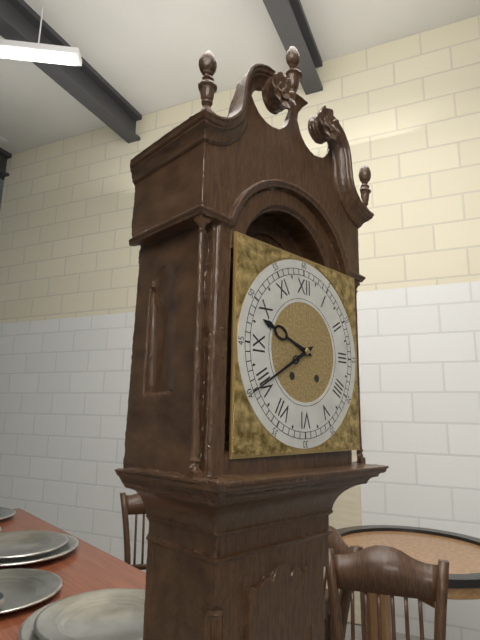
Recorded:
h=9 m=40
